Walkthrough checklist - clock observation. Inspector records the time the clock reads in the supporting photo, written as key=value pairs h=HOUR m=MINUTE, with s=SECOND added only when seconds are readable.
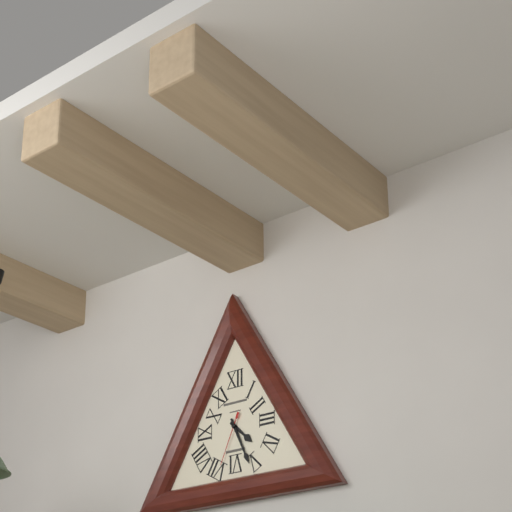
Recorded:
h=4 m=26 s=34
